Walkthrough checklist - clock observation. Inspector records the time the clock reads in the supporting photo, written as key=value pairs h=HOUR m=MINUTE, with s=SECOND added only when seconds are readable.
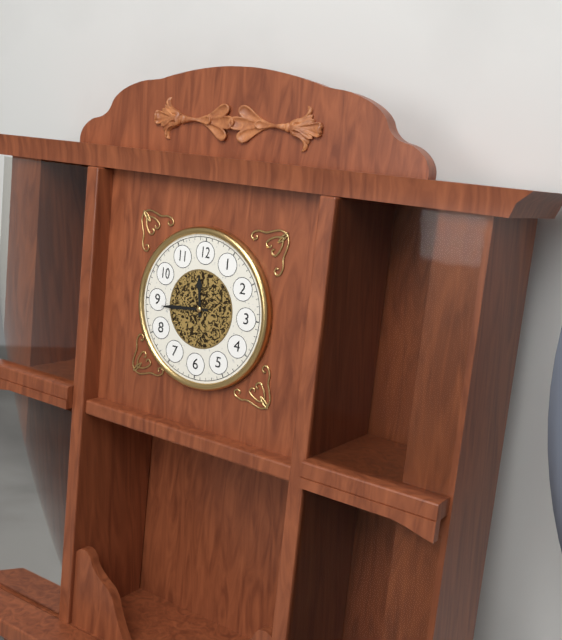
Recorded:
h=11 m=44
